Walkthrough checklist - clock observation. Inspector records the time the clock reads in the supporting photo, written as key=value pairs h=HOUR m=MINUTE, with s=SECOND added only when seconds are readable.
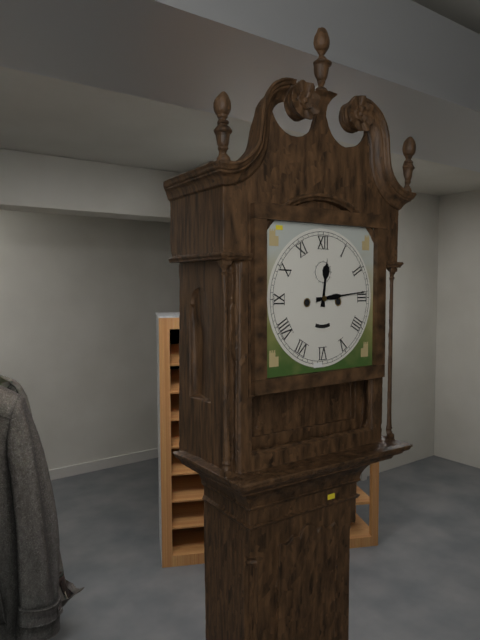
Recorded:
h=12 m=14
